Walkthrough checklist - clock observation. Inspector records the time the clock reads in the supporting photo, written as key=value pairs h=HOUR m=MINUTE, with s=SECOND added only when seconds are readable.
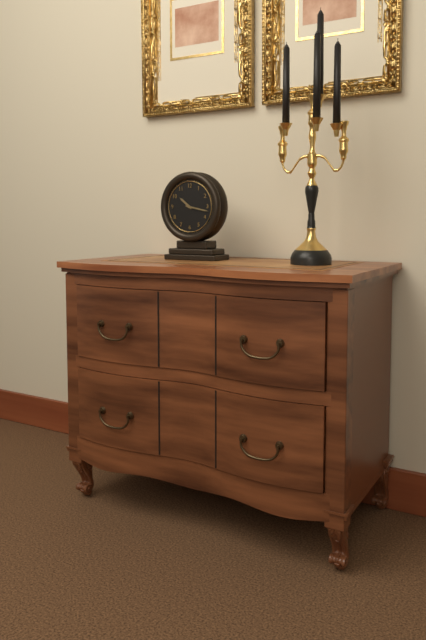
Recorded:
h=10 m=17
